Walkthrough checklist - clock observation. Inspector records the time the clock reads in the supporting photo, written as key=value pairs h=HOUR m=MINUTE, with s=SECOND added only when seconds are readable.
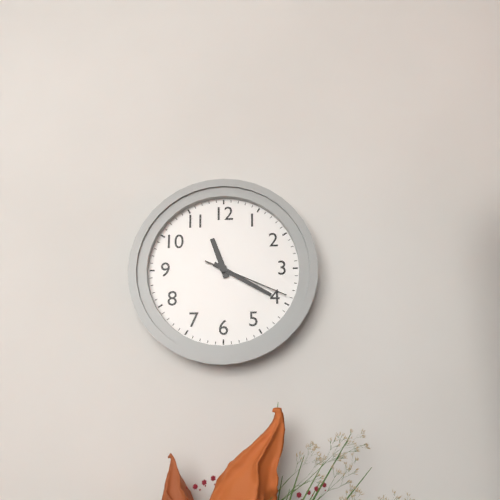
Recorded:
h=11 m=20 s=19
